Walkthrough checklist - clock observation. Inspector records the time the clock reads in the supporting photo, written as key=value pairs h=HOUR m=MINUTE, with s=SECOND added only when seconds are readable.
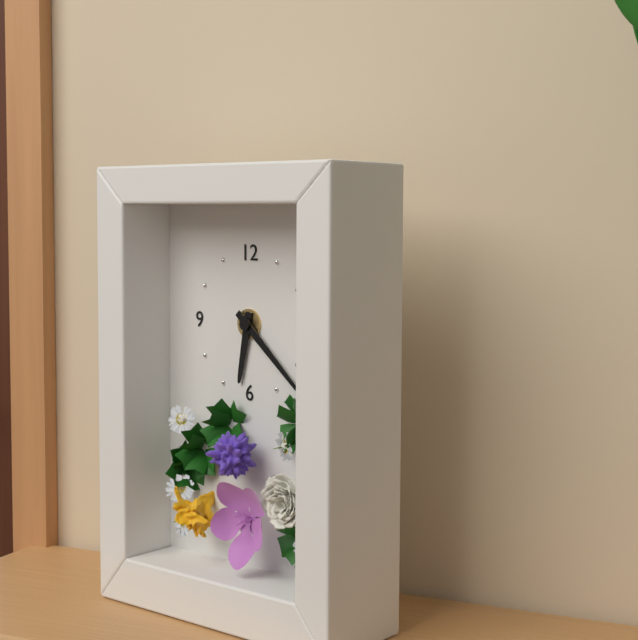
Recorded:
h=6 m=22
